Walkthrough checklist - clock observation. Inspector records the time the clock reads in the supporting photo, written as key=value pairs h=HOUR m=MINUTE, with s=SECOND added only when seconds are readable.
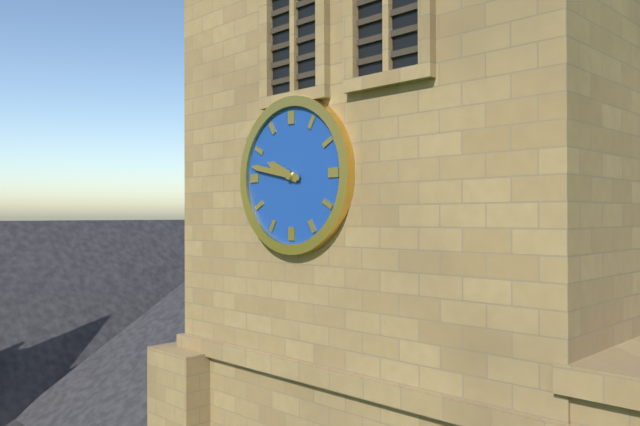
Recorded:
h=9 m=47
